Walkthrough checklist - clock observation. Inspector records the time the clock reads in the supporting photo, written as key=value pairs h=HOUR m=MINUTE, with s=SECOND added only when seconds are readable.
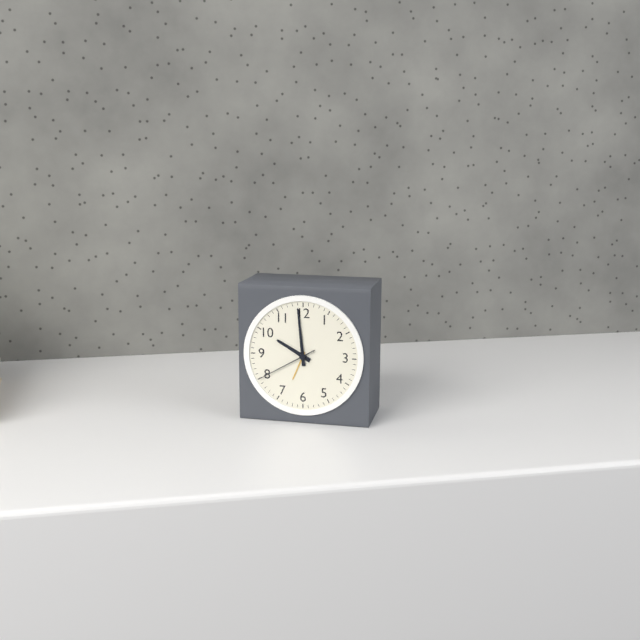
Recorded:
h=9 m=59 s=40
